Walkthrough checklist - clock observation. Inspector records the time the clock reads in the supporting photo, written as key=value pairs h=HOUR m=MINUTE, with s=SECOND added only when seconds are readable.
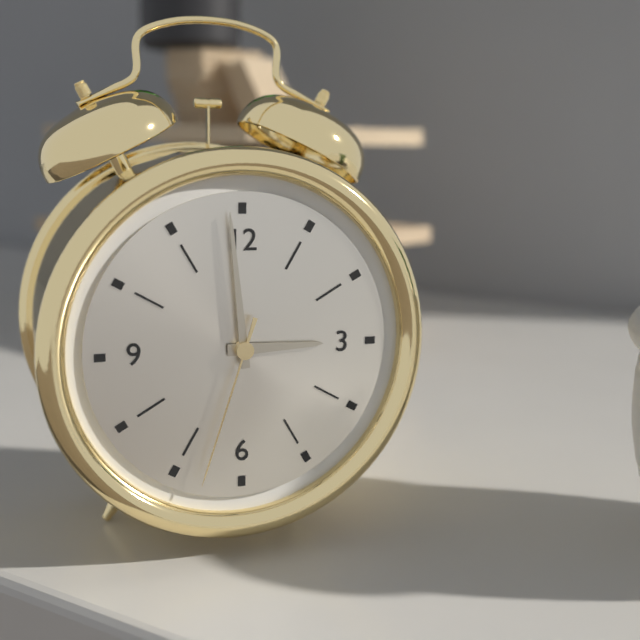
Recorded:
h=2 m=59 s=33
